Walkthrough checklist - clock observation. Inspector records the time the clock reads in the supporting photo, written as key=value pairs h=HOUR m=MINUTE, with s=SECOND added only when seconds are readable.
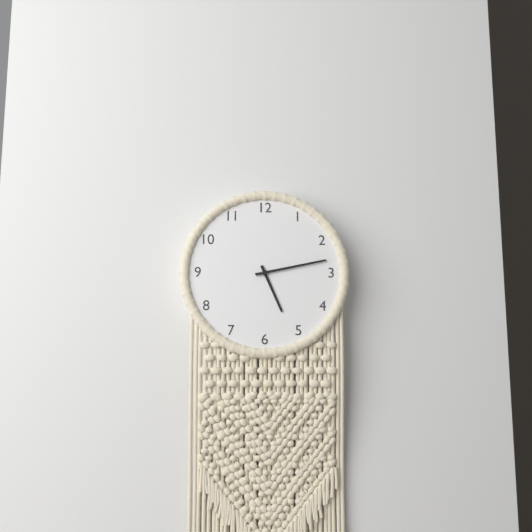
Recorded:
h=5 m=13
